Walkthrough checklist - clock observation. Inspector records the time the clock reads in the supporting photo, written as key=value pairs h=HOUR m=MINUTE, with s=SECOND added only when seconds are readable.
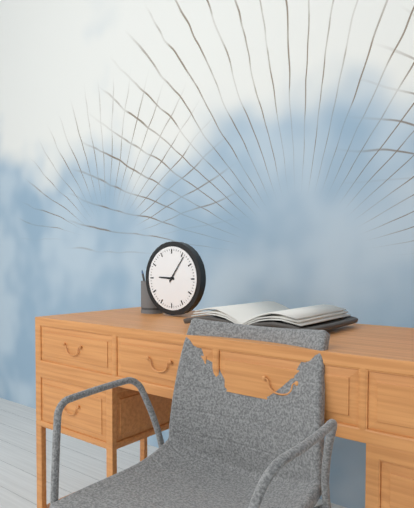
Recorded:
h=9 m=6
